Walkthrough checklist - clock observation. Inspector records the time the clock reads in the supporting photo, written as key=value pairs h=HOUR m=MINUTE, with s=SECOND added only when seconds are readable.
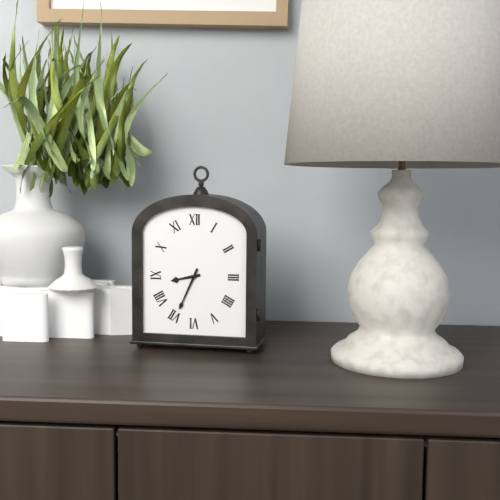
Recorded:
h=8 m=34
